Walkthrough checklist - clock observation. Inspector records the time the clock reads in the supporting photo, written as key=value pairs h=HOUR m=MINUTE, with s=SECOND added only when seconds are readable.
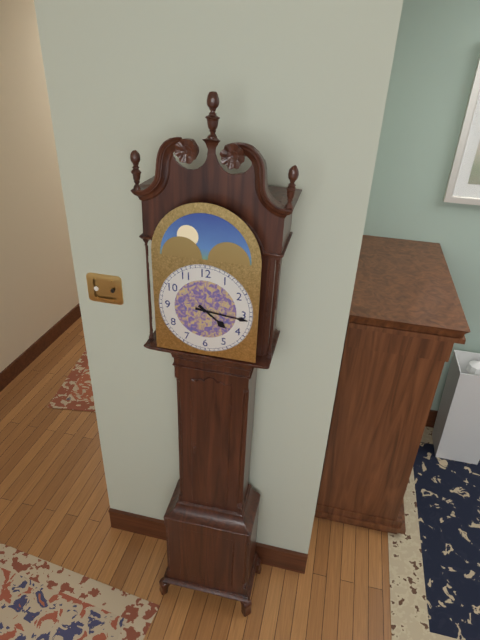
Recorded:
h=4 m=16
